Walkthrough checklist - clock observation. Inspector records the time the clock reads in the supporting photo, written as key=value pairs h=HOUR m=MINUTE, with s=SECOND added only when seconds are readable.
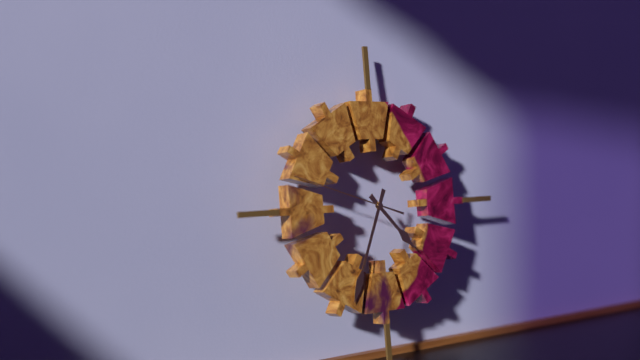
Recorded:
h=4 m=34 s=48
